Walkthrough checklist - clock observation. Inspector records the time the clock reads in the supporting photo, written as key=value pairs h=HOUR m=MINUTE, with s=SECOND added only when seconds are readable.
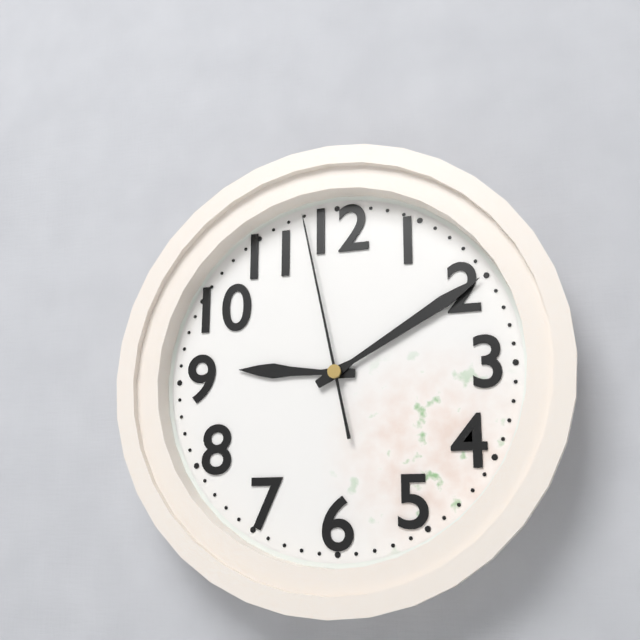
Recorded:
h=9 m=10 s=58
